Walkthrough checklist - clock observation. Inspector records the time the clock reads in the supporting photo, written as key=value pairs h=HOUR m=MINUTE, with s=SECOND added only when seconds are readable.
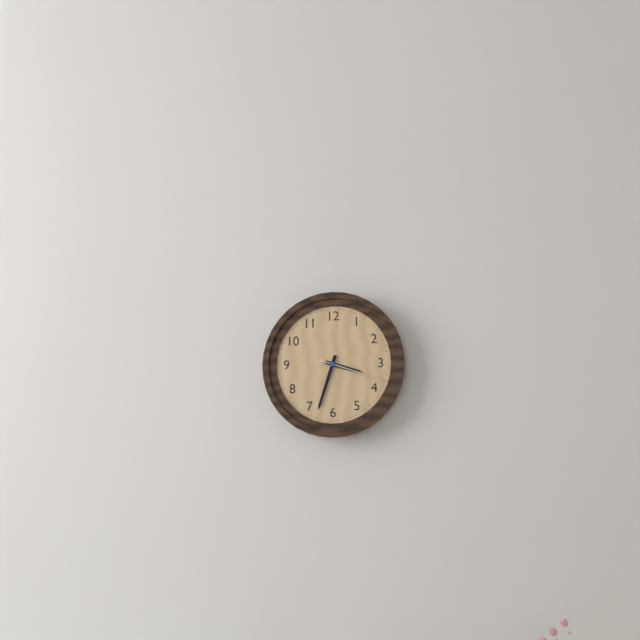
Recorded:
h=3 m=33 s=18
